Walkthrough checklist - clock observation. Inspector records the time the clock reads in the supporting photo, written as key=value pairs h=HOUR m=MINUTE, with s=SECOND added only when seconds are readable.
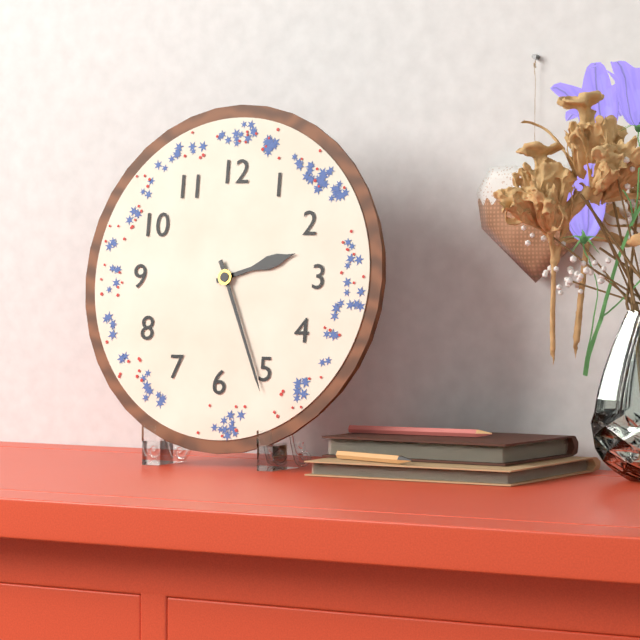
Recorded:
h=2 m=26
